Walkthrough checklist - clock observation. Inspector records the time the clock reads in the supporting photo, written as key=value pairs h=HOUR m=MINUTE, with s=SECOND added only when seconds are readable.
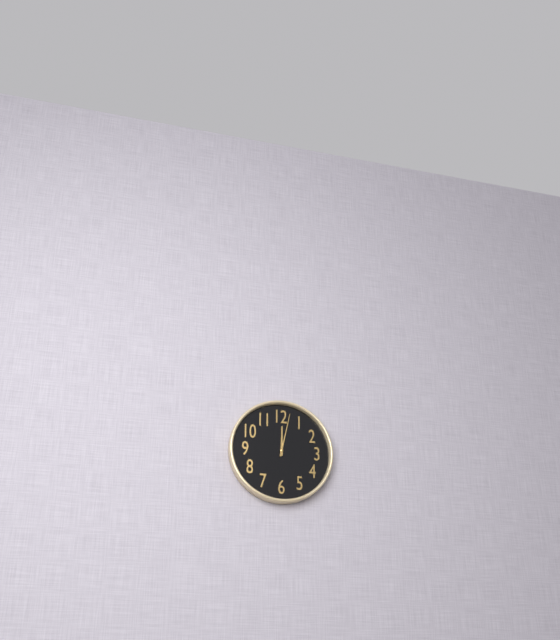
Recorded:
h=12 m=2
